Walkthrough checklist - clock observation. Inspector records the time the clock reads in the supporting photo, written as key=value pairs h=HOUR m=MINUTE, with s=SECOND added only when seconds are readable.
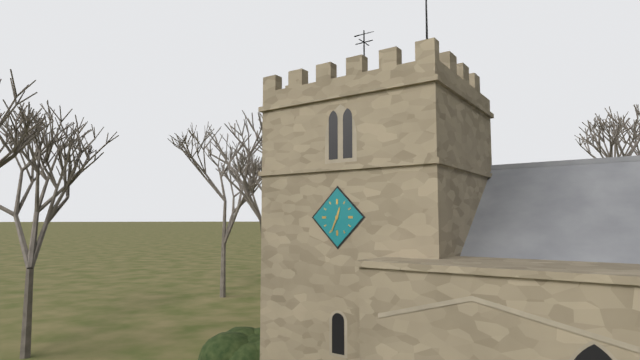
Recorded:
h=12 m=34
